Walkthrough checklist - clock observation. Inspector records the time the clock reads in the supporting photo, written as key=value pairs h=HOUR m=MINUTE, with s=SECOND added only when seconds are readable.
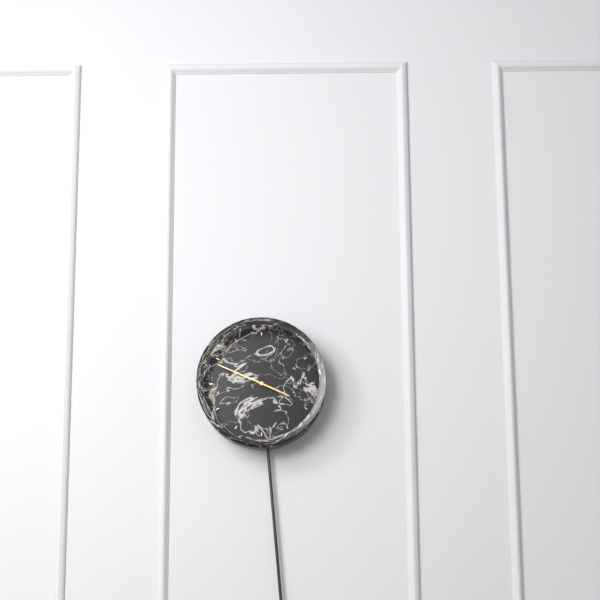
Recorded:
h=3 m=49
